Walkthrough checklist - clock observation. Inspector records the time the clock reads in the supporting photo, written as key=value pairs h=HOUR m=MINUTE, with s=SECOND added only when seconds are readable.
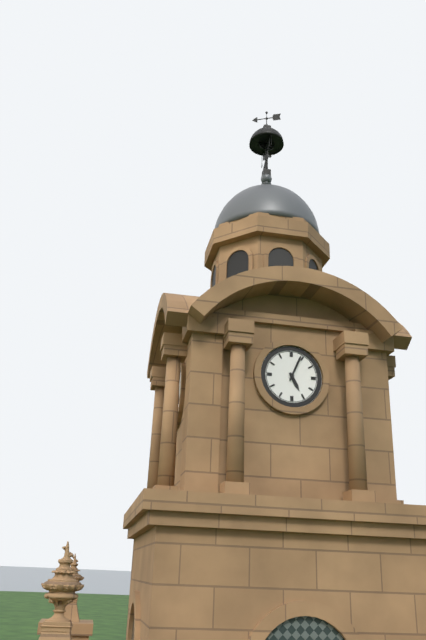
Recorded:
h=5 m=4
